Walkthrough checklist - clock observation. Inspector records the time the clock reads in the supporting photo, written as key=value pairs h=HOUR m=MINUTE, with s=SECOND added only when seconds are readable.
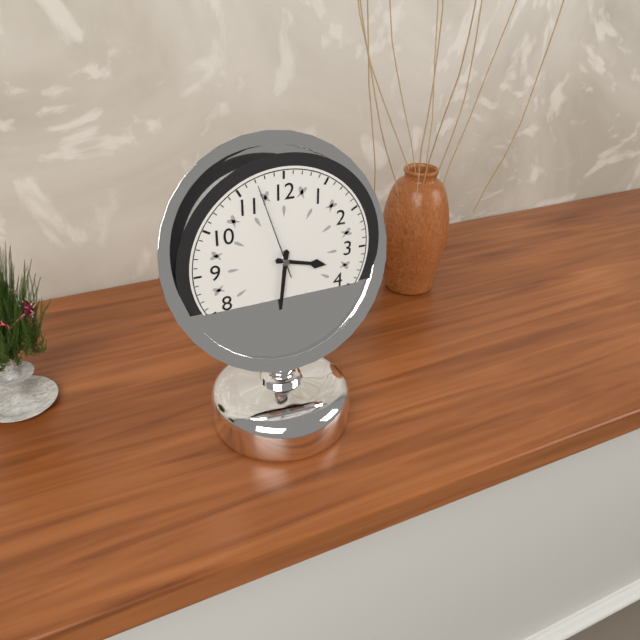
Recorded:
h=3 m=31 s=57
